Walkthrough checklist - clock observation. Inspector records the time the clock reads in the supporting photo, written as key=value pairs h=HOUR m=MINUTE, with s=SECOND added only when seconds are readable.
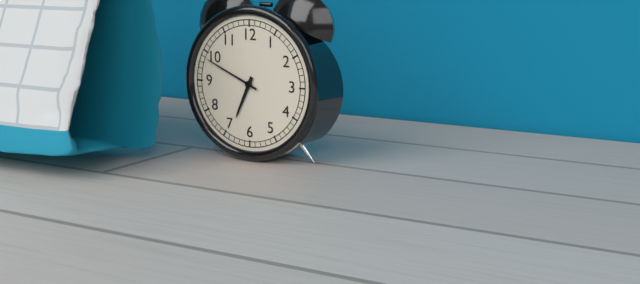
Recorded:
h=6 m=49
